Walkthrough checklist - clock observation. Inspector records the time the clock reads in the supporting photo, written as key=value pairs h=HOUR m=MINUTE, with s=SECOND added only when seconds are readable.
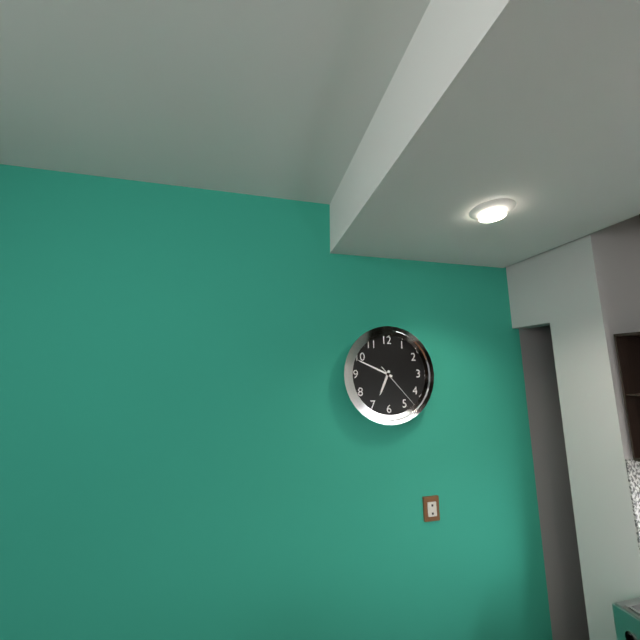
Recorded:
h=6 m=49
